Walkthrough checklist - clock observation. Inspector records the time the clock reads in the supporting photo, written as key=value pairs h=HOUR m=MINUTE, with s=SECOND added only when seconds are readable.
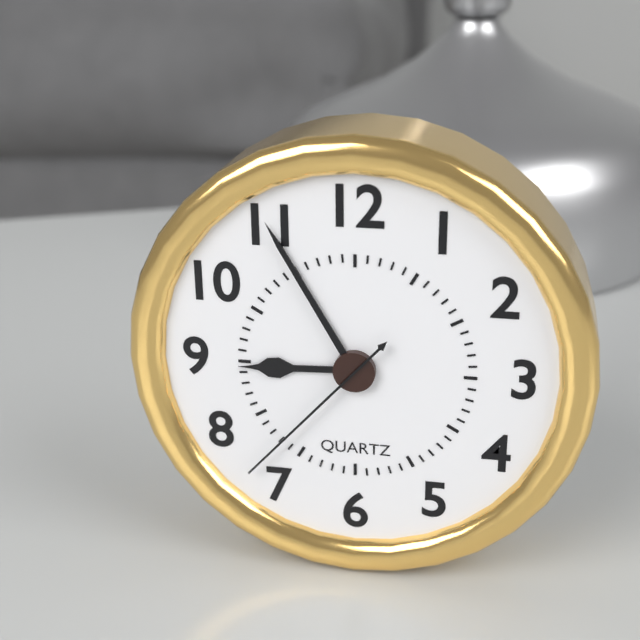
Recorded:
h=8 m=55 s=37
